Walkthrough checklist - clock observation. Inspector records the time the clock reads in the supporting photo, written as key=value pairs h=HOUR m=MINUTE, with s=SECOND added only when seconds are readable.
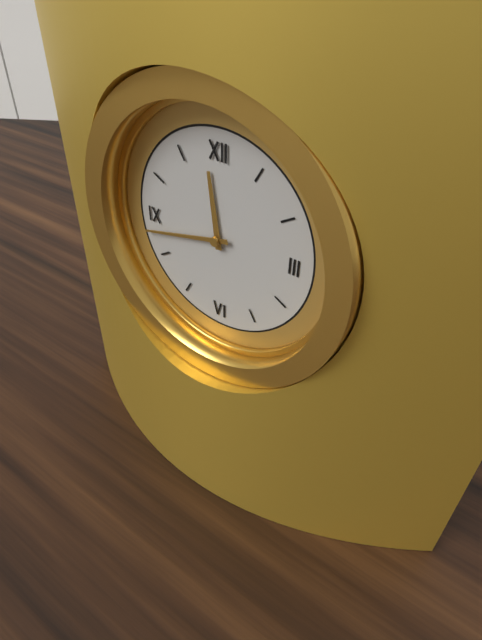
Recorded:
h=11 m=43
